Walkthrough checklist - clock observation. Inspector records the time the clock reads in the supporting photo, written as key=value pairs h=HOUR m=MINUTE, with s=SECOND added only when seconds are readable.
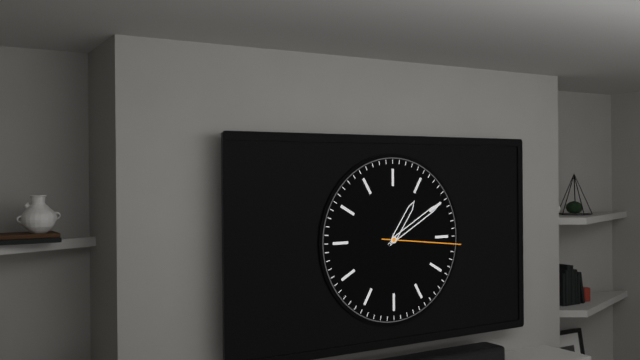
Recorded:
h=1 m=10 s=16
